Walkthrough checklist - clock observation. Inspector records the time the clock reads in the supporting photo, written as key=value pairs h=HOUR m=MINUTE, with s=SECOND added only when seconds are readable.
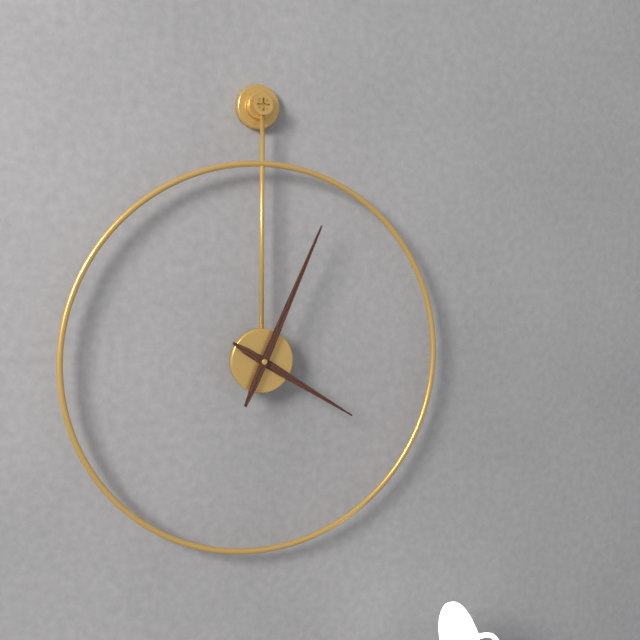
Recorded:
h=4 m=4
